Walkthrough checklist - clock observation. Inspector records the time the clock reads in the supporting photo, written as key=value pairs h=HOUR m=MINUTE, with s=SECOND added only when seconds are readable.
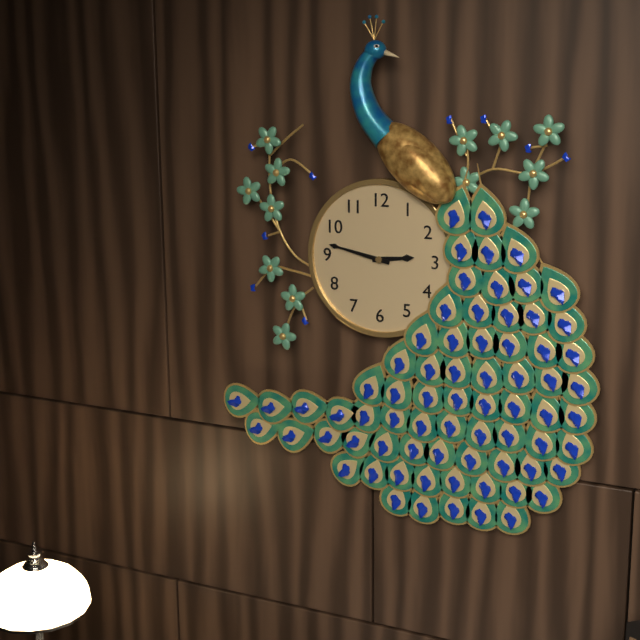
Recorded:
h=2 m=47
